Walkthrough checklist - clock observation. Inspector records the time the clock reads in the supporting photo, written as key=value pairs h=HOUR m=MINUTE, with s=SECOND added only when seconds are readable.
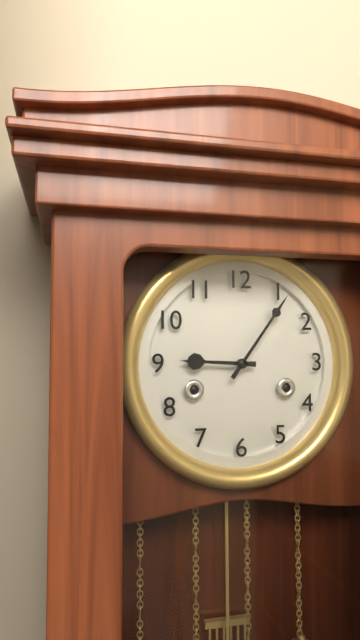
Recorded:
h=9 m=6
